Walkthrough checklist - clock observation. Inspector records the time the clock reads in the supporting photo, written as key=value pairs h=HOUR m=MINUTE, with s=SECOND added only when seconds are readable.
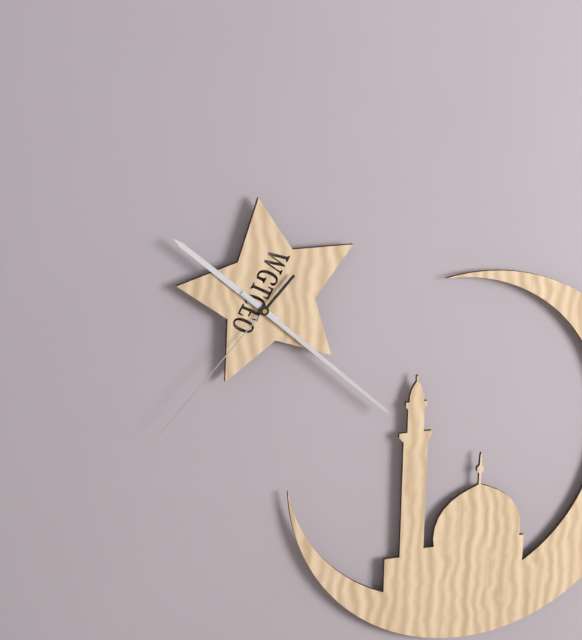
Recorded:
h=10 m=22 s=37
